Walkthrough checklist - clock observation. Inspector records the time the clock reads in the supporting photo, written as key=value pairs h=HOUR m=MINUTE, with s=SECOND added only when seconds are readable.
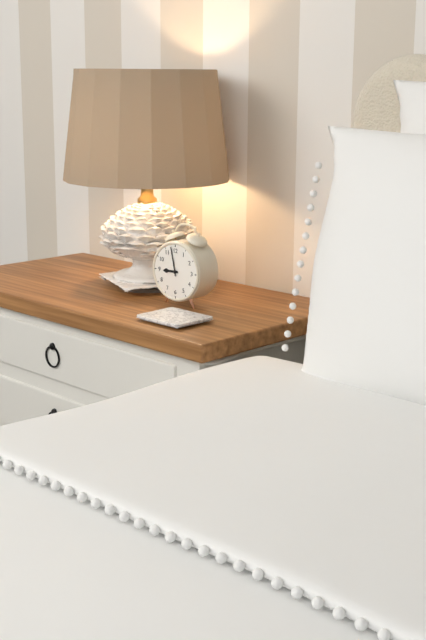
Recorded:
h=8 m=58
